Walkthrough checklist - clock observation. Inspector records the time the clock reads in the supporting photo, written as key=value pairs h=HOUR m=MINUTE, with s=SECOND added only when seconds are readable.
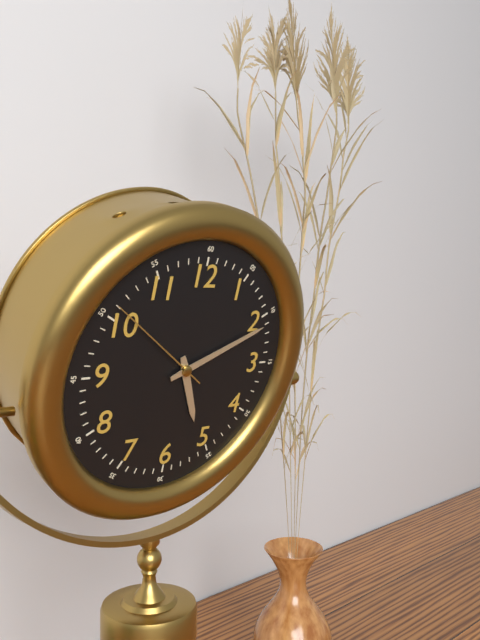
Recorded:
h=5 m=11 s=51
